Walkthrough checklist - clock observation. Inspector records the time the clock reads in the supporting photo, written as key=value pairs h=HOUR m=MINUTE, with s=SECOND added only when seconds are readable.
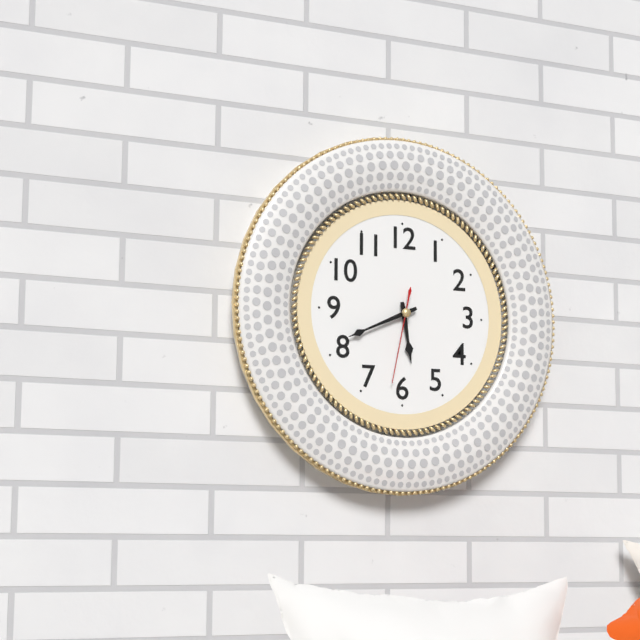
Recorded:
h=5 m=41 s=32
